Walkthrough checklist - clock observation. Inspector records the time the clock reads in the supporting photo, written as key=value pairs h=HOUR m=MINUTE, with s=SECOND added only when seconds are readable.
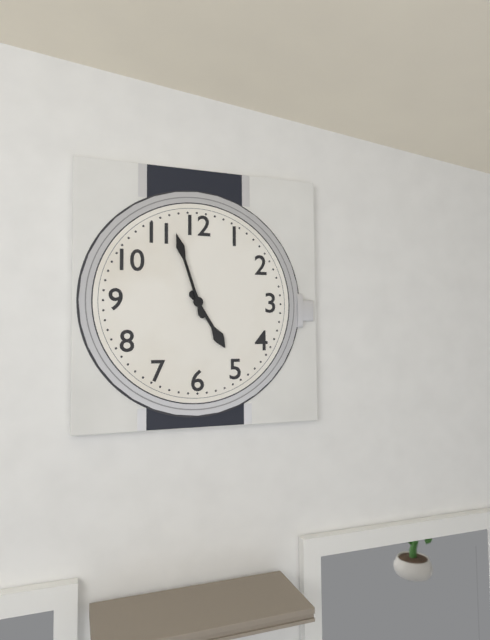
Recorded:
h=4 m=57
